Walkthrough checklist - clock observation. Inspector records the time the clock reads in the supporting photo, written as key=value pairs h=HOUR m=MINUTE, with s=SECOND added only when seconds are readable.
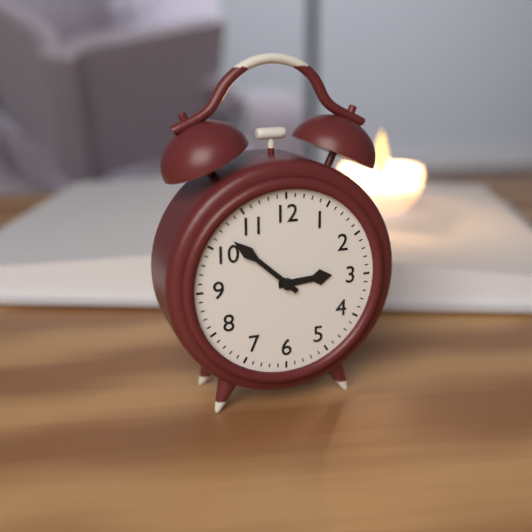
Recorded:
h=2 m=52
